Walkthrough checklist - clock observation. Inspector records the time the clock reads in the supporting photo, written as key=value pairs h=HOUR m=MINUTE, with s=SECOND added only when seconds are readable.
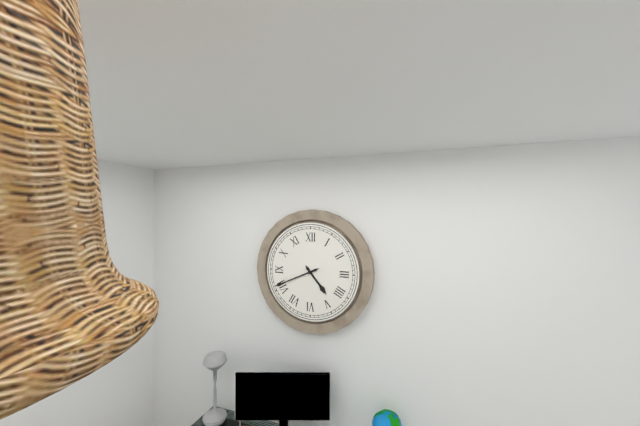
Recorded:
h=4 m=41
